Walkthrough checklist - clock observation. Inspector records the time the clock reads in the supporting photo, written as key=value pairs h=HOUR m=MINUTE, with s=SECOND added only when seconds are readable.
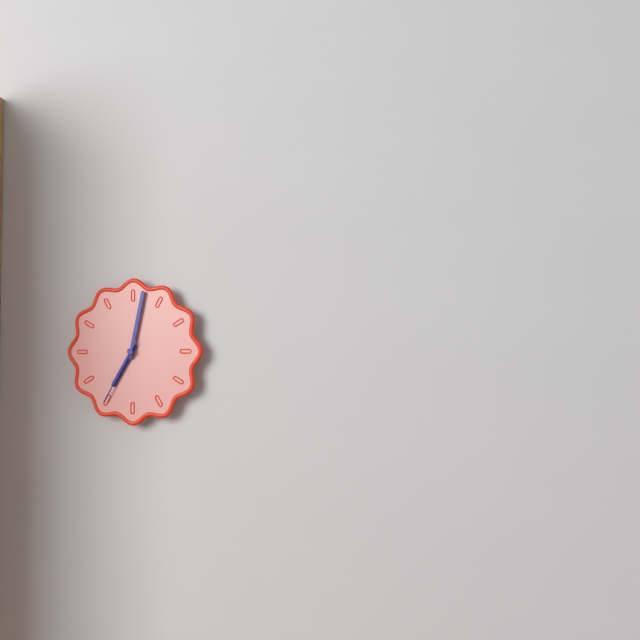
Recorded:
h=7 m=2 s=35
